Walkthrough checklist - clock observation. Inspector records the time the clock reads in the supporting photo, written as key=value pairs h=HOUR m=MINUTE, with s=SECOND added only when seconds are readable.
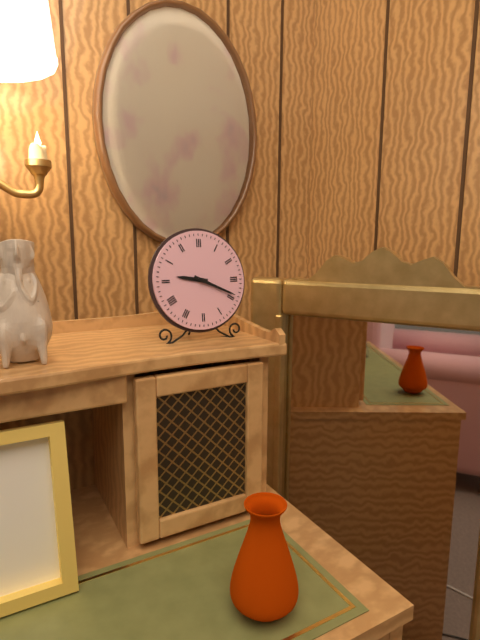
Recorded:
h=9 m=19
